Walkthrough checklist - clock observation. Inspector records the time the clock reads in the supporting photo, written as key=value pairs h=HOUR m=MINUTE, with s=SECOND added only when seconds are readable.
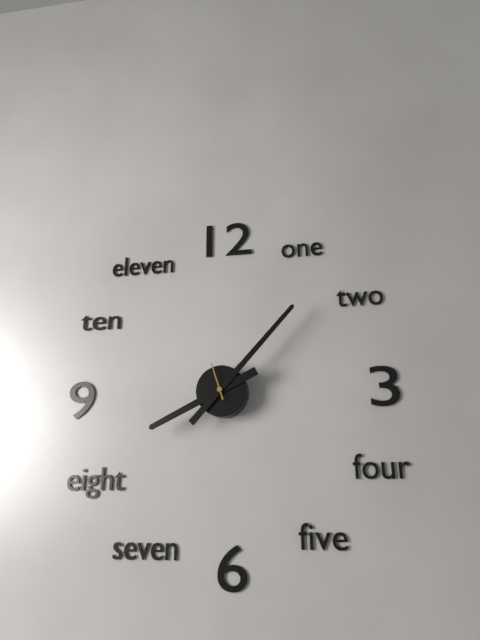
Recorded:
h=8 m=7
